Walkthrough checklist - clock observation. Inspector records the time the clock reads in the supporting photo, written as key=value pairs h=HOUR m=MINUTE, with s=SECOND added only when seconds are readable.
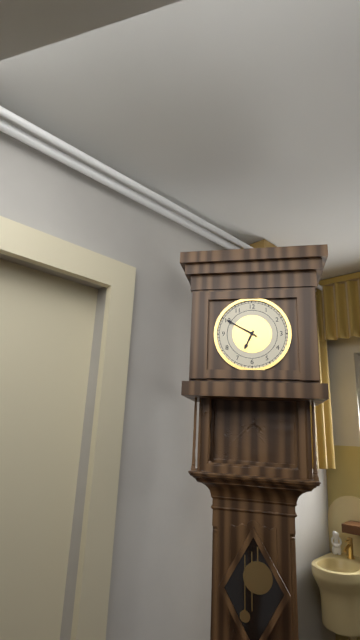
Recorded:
h=6 m=50
